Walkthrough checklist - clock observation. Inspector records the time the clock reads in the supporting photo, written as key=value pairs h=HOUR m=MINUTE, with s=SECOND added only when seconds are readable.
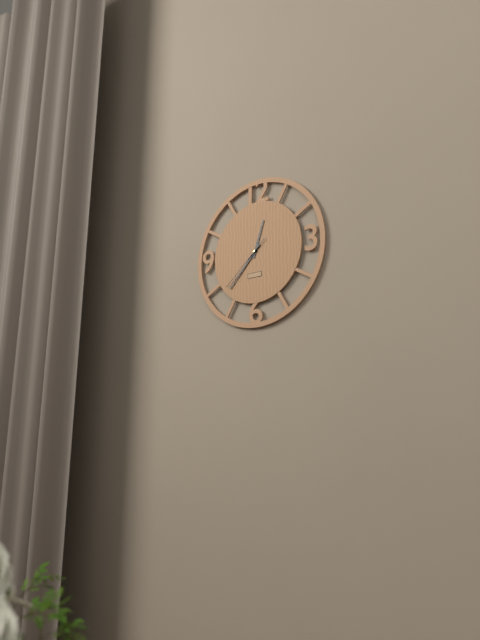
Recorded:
h=12 m=37 s=38
